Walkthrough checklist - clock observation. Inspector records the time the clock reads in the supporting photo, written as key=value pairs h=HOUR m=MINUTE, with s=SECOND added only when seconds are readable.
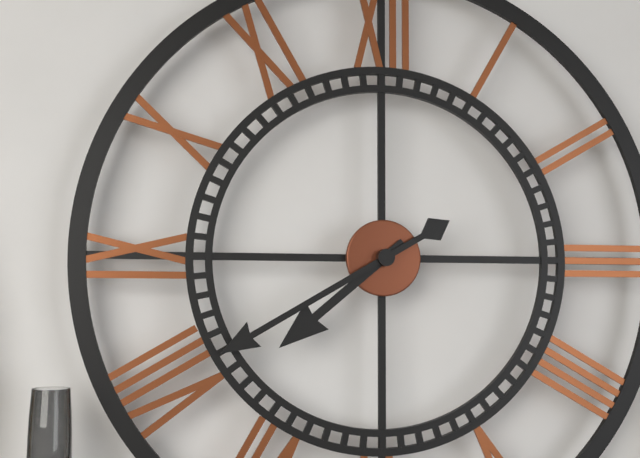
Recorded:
h=7 m=40
